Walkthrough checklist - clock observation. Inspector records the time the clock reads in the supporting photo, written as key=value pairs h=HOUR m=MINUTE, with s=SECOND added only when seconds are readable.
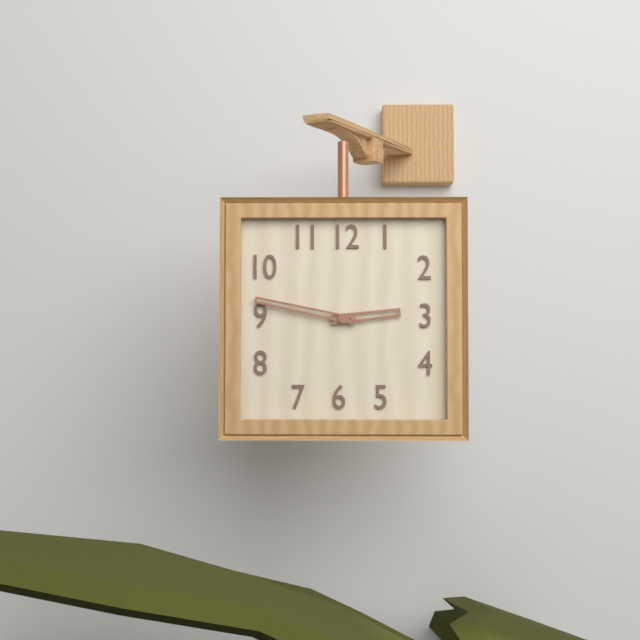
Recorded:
h=2 m=47
